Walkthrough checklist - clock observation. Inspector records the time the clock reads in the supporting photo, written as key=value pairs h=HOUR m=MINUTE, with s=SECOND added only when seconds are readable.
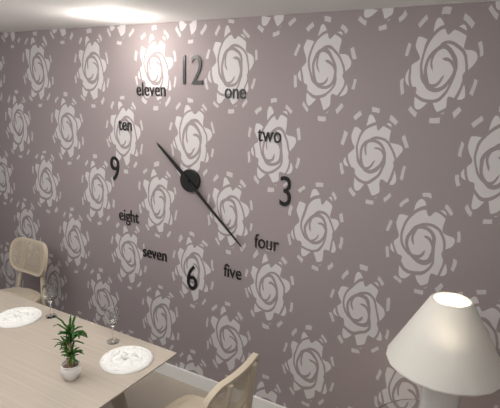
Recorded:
h=10 m=22
